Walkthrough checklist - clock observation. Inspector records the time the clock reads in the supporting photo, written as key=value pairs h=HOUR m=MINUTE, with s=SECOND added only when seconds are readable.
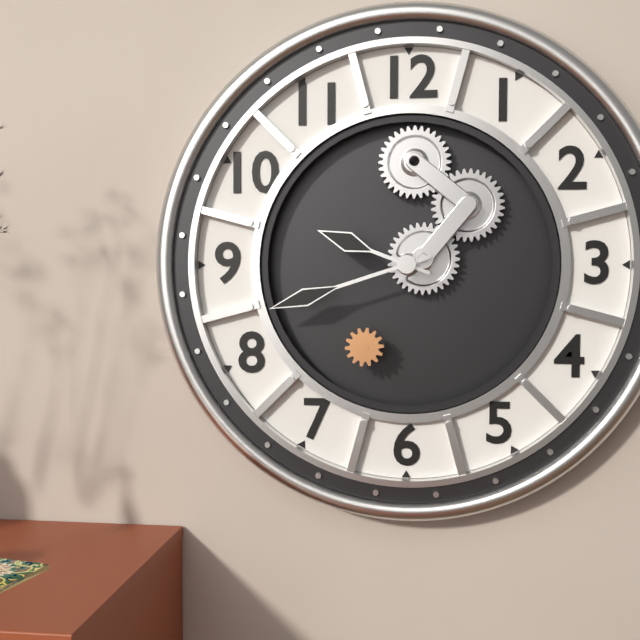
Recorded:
h=9 m=42
